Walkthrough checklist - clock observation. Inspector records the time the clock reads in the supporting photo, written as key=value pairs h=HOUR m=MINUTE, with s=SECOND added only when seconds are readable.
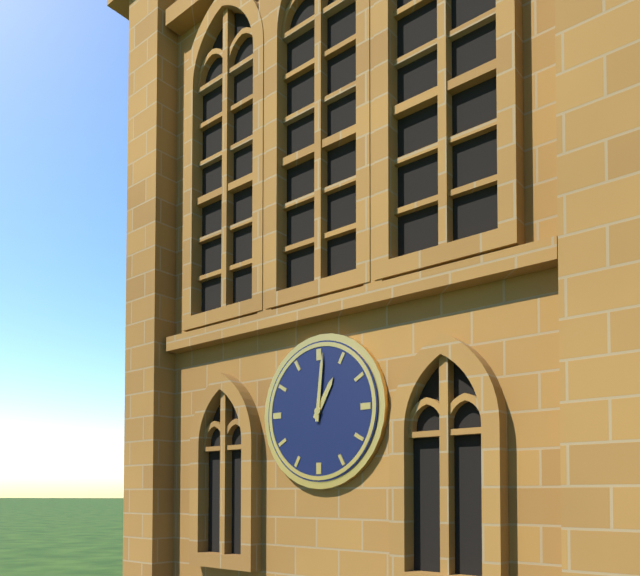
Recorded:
h=1 m=1
